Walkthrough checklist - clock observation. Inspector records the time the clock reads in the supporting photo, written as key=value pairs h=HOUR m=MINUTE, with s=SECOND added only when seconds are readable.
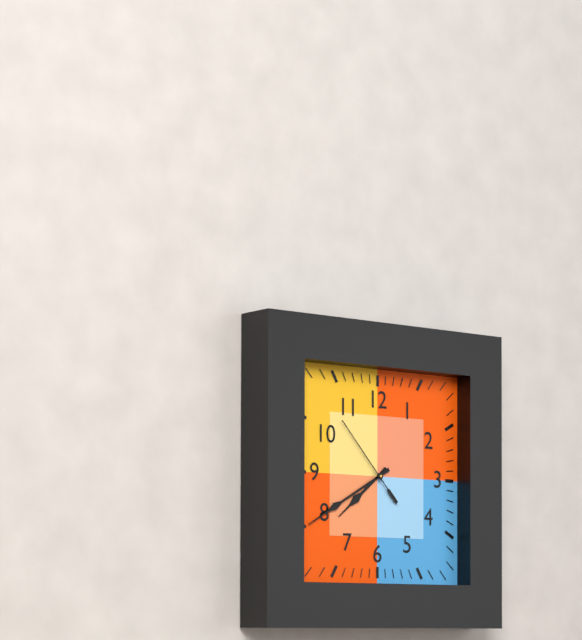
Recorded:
h=7 m=40 s=53
